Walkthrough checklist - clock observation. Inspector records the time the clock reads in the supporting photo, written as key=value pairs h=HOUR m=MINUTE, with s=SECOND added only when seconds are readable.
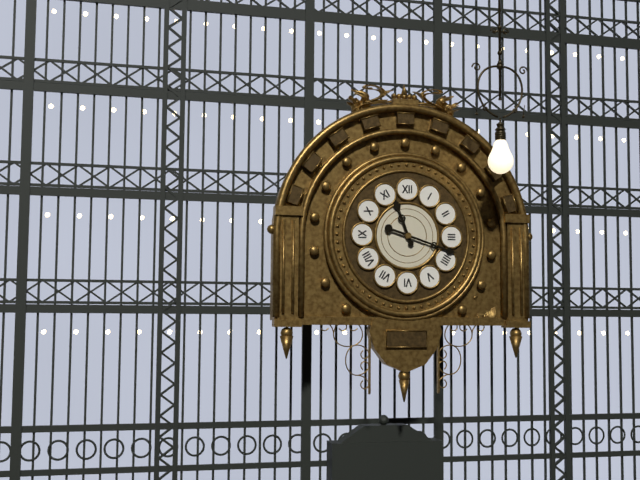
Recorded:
h=11 m=18
